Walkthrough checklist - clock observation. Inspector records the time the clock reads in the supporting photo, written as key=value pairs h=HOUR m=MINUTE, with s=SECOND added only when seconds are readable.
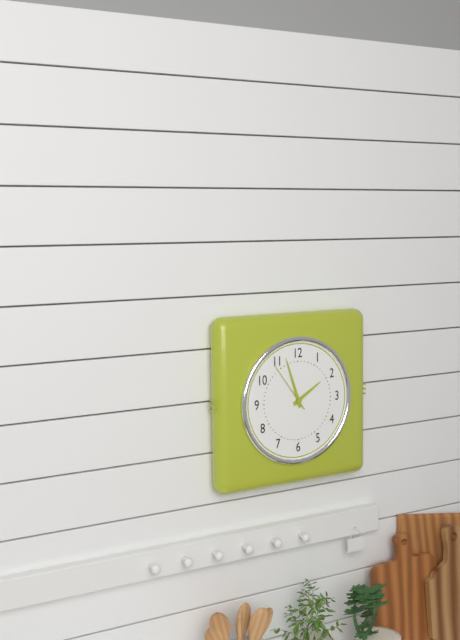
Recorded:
h=1 m=57 s=54
